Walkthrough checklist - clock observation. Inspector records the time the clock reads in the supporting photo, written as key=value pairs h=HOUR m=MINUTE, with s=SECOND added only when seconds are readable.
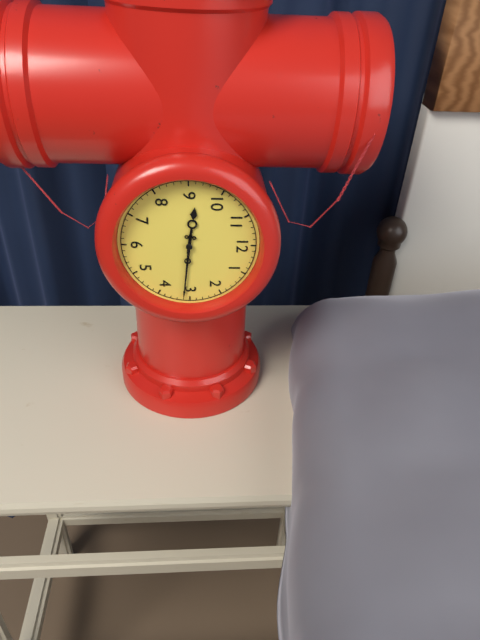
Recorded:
h=9 m=16
